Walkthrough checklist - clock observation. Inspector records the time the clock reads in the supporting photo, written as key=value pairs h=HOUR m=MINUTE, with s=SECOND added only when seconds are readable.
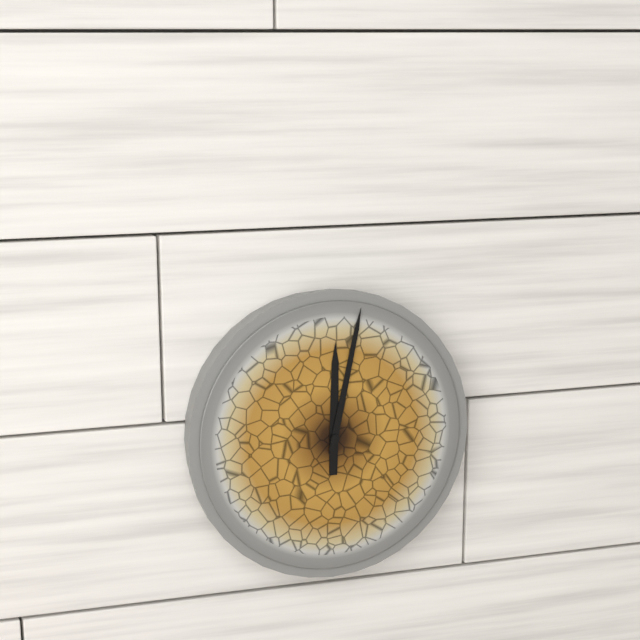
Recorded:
h=12 m=2
